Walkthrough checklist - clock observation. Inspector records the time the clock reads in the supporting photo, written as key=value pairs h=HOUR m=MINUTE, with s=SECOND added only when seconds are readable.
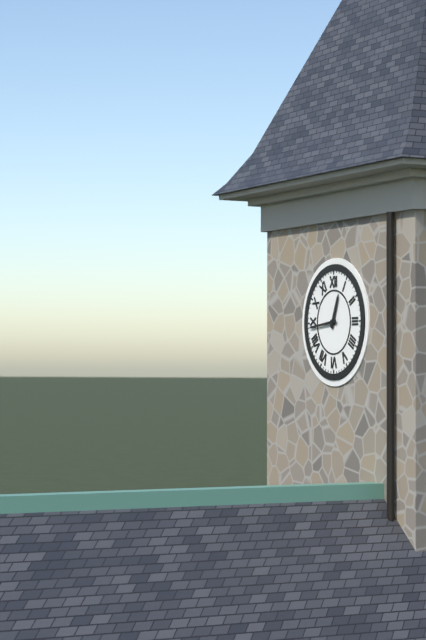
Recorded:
h=12 m=44
